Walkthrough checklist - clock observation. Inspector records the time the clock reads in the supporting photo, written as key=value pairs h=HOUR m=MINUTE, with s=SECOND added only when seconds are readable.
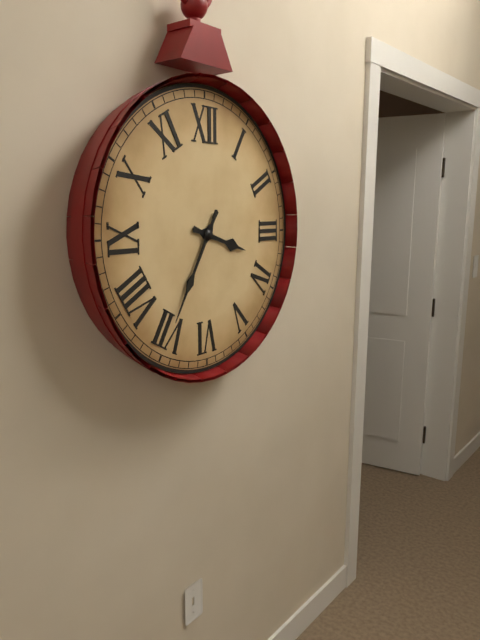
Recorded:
h=3 m=35
